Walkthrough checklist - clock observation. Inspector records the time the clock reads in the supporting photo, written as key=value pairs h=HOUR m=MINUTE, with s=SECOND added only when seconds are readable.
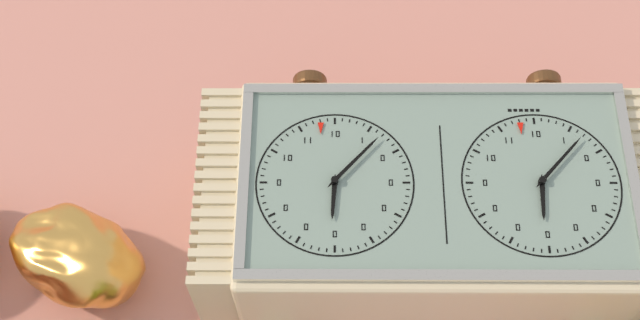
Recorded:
h=6 m=7
